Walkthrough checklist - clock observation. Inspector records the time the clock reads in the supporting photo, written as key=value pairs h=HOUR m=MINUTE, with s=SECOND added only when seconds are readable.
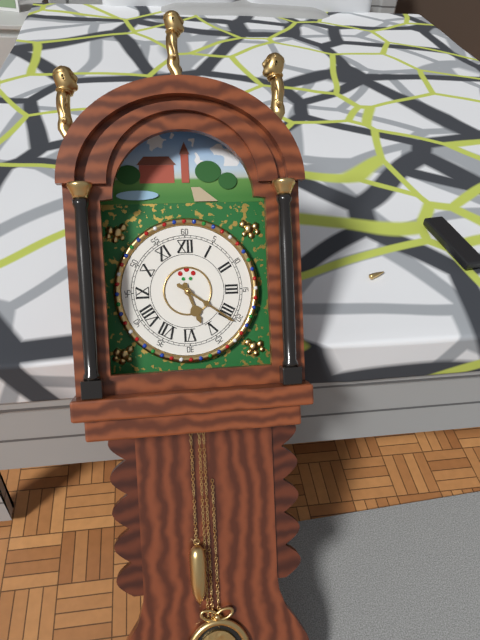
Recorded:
h=5 m=21
